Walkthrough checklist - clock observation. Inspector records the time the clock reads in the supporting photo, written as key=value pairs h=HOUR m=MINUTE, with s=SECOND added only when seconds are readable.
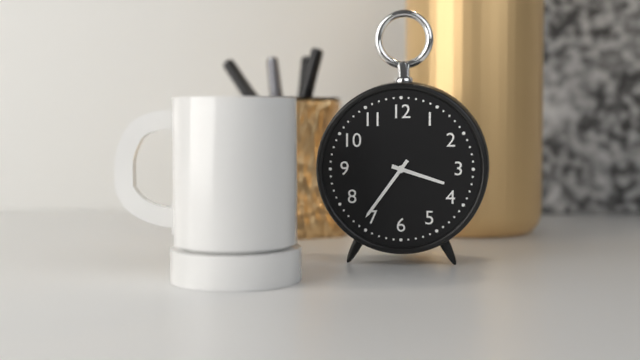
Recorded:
h=3 m=36
